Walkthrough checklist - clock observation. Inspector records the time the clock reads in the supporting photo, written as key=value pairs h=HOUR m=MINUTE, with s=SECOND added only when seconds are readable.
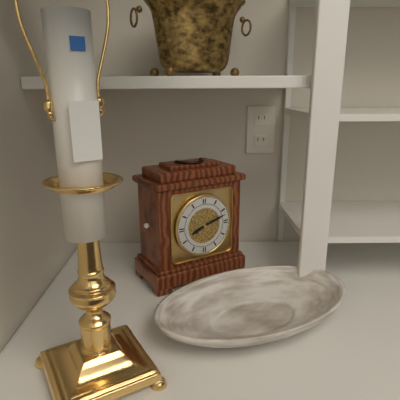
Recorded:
h=8 m=12
